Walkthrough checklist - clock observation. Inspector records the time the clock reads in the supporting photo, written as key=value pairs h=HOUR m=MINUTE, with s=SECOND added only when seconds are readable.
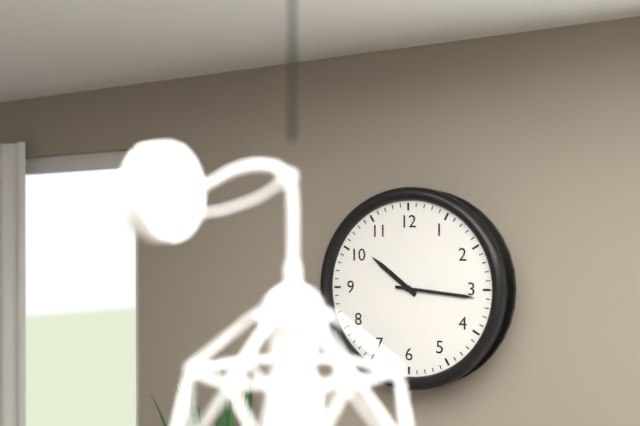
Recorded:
h=10 m=16
